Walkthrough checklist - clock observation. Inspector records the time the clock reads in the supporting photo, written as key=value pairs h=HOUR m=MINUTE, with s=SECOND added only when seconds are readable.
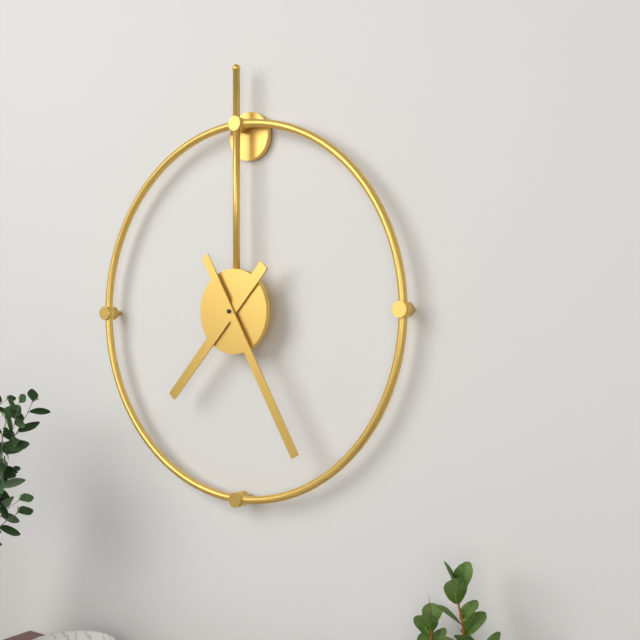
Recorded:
h=7 m=25
